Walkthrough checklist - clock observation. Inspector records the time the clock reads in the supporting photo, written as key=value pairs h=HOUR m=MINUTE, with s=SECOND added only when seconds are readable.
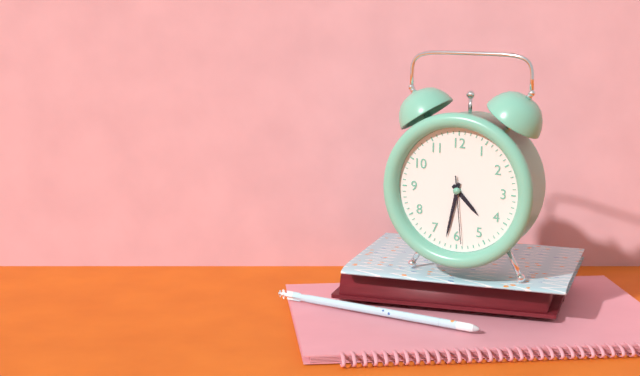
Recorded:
h=4 m=32 s=29
